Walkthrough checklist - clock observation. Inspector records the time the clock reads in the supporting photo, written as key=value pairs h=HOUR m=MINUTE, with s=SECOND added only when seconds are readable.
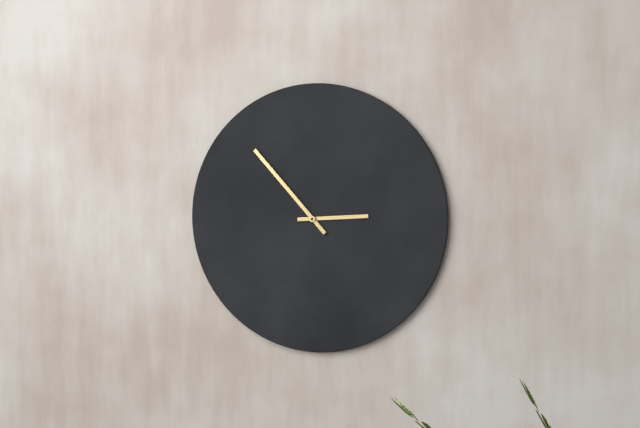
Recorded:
h=2 m=53
